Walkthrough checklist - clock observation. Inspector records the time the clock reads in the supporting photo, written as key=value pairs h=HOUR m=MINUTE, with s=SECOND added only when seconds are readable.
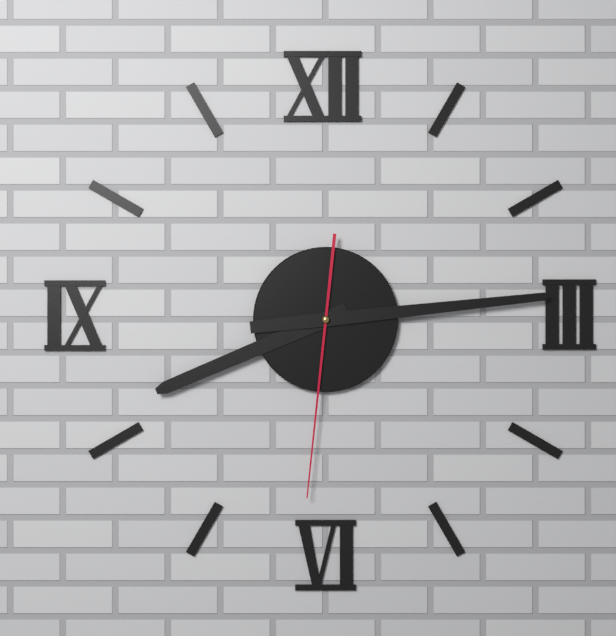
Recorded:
h=8 m=14 s=31
